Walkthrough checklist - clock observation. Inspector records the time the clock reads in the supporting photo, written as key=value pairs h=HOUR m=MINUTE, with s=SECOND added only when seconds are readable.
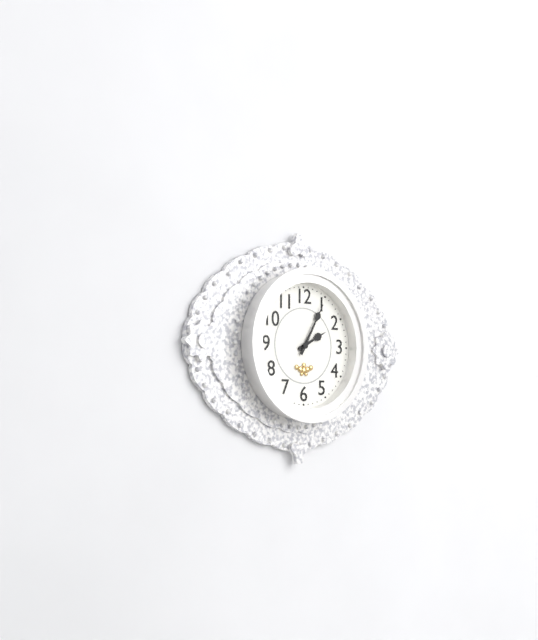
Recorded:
h=2 m=5
